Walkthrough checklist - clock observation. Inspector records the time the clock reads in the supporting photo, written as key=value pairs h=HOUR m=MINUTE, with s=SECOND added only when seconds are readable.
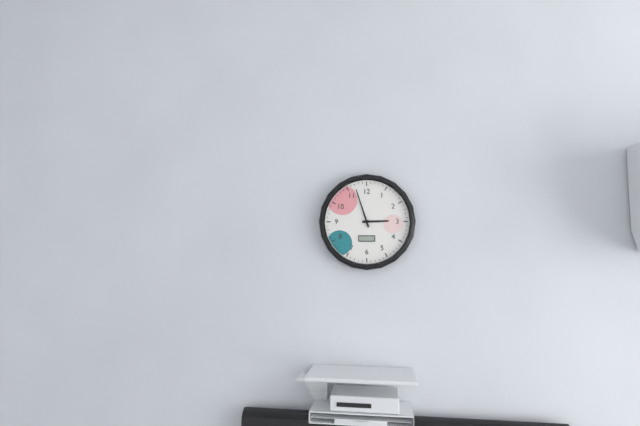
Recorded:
h=2 m=57
